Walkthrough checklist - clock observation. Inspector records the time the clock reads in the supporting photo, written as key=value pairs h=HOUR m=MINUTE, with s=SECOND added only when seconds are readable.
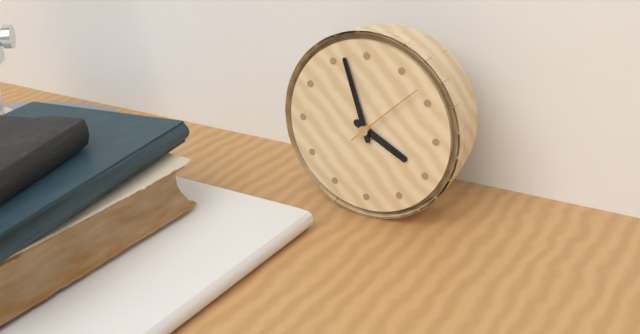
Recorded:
h=3 m=57 s=8
